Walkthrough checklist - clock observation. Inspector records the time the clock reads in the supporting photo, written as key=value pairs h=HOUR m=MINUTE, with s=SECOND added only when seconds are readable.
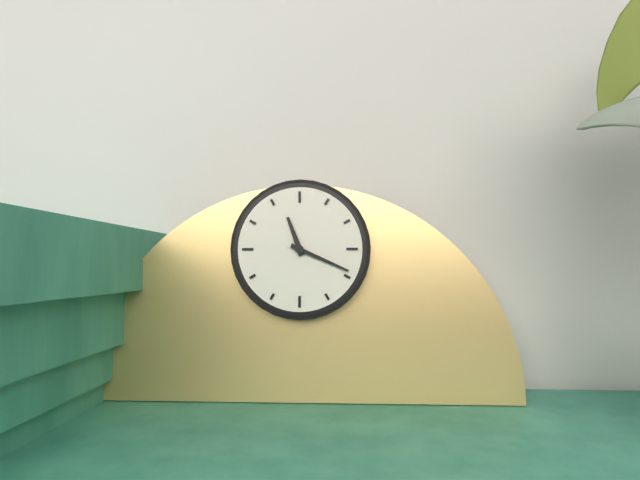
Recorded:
h=11 m=19
